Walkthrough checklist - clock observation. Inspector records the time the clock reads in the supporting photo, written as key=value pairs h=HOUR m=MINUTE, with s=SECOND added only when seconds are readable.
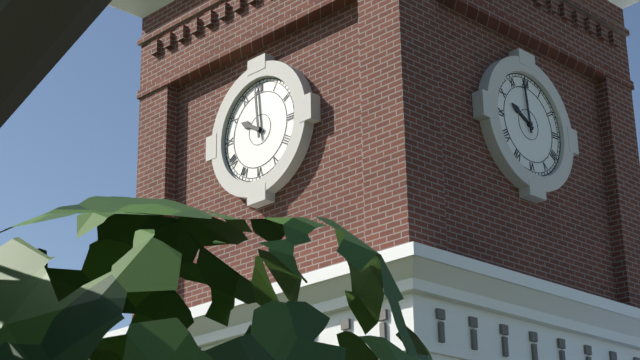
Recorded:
h=9 m=59
